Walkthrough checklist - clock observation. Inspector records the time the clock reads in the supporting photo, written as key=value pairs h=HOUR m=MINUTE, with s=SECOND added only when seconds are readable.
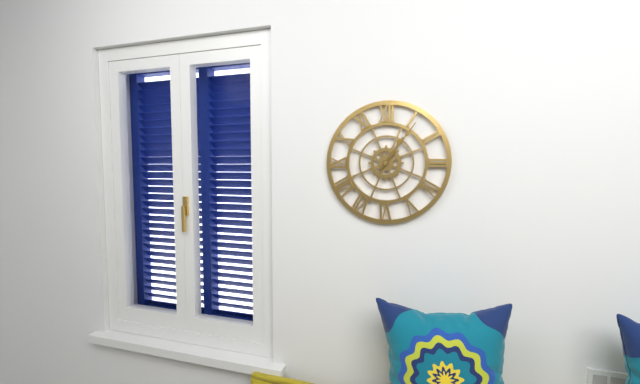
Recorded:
h=1 m=6
